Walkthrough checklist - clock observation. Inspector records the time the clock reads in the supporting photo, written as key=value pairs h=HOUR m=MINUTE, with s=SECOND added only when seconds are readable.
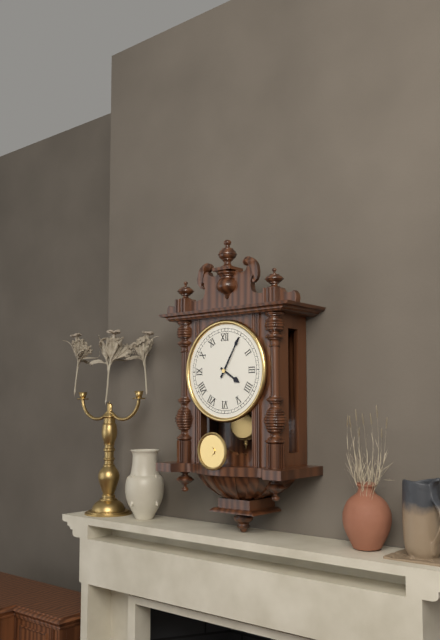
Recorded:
h=4 m=5
